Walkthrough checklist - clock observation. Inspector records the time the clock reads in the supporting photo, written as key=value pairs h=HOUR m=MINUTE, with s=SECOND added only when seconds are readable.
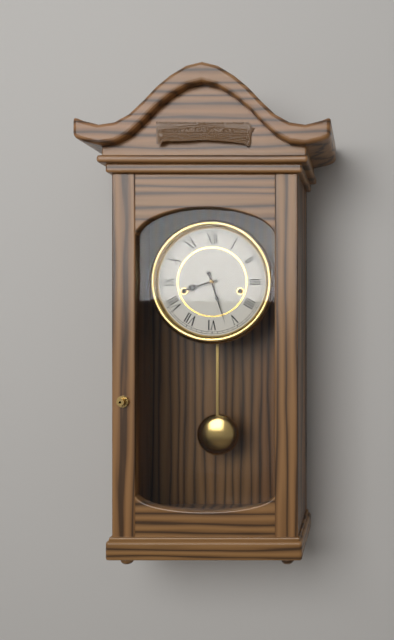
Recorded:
h=8 m=27
